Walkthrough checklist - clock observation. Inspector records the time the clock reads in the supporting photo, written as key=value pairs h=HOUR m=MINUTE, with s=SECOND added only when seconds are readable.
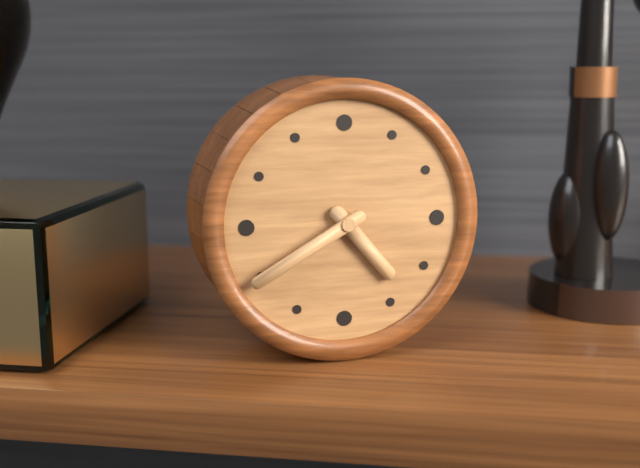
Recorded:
h=4 m=40
